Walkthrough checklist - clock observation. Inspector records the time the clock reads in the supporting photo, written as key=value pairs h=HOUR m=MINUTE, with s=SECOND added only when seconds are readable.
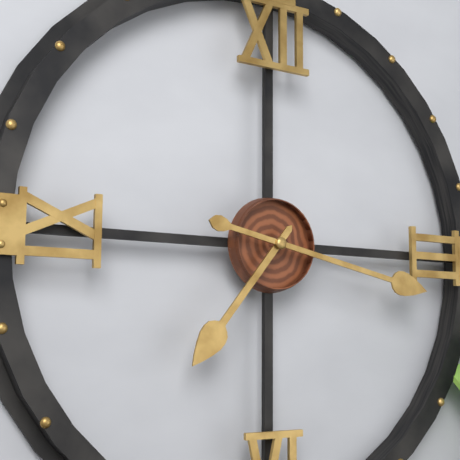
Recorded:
h=7 m=17
